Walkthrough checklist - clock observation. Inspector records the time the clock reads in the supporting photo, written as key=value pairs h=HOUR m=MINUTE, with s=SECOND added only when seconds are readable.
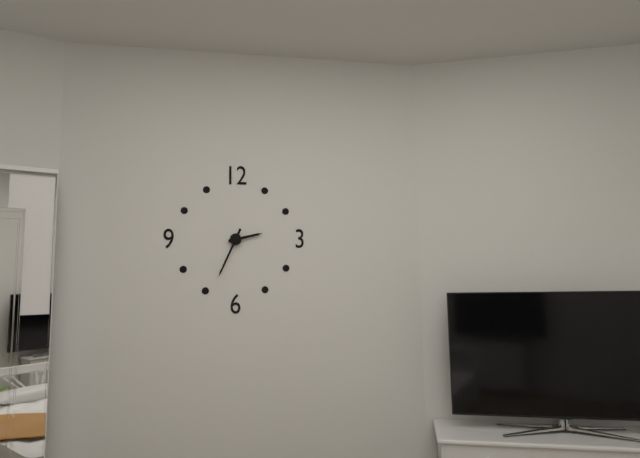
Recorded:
h=2 m=34
